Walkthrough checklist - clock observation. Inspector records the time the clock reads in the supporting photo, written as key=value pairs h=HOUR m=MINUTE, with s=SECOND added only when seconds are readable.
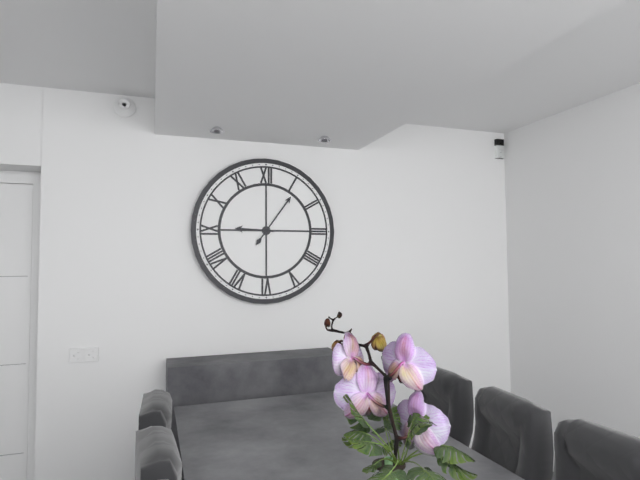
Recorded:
h=9 m=6
